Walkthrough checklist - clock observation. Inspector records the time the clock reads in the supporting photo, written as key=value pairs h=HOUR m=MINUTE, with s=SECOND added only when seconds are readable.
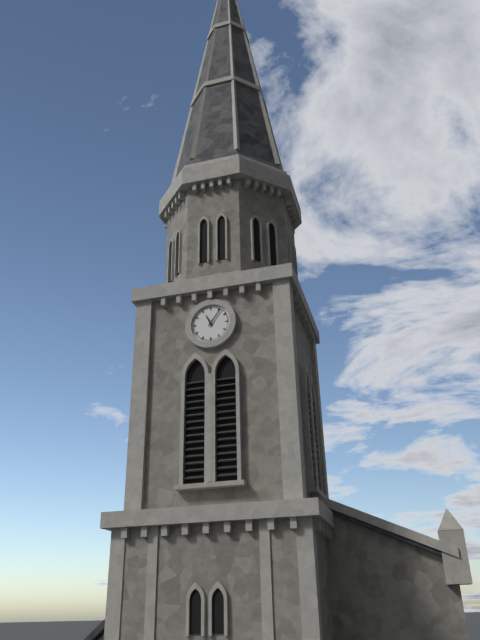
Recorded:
h=11 m=6
